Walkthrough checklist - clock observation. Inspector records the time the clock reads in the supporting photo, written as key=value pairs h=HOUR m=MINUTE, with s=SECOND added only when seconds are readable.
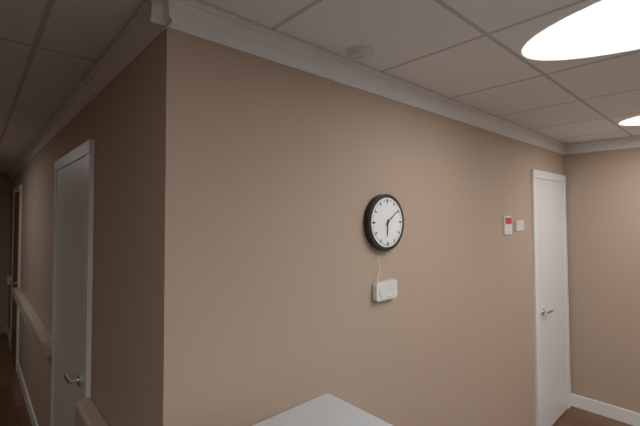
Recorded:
h=6 m=9
